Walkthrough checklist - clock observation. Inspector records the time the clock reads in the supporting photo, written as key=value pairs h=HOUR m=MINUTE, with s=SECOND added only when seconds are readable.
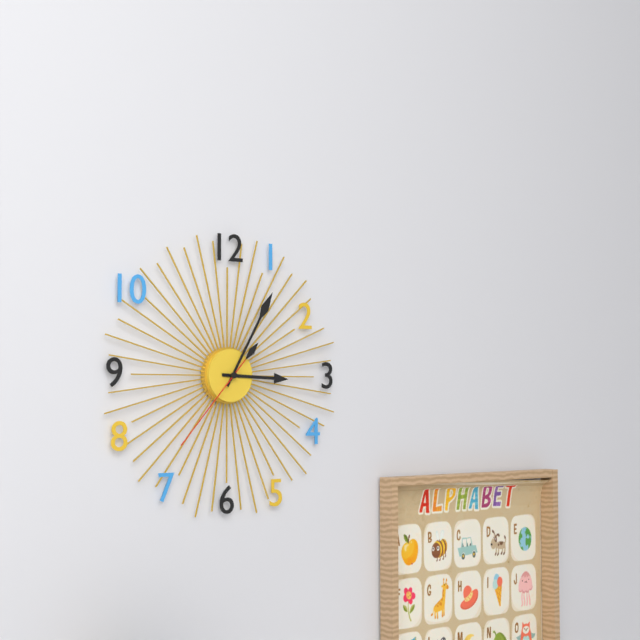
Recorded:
h=3 m=5 s=37
